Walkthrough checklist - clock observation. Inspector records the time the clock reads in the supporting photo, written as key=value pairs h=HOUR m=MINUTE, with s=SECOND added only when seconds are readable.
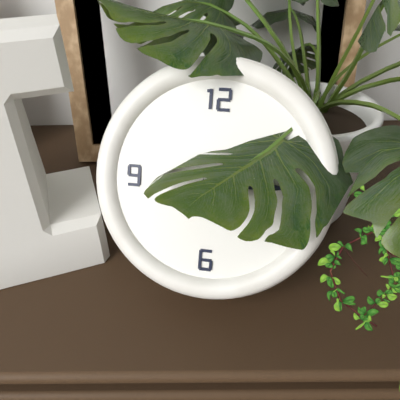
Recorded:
h=2 m=15
